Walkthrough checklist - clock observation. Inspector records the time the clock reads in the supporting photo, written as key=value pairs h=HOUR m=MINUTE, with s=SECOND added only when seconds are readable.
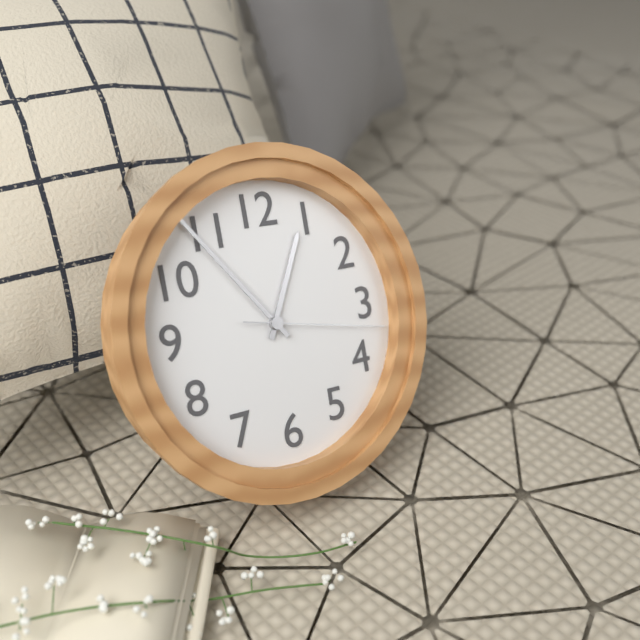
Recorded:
h=12 m=54 s=17
